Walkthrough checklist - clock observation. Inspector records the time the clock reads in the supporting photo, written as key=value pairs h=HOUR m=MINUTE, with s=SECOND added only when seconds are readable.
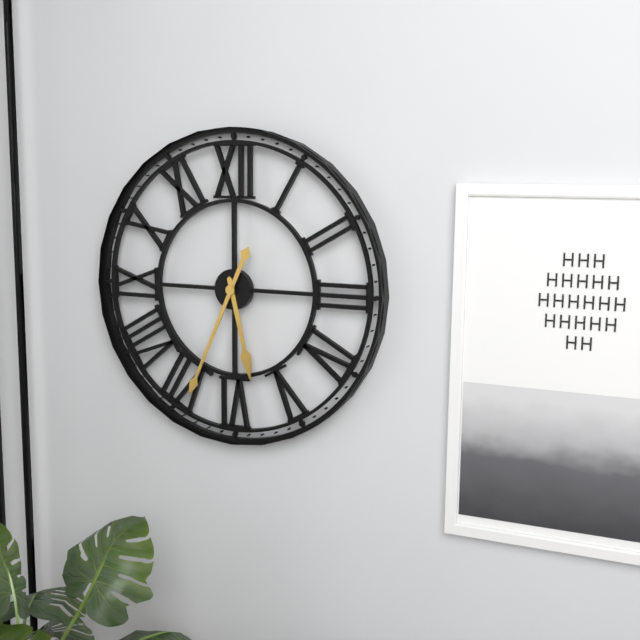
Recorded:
h=5 m=34
